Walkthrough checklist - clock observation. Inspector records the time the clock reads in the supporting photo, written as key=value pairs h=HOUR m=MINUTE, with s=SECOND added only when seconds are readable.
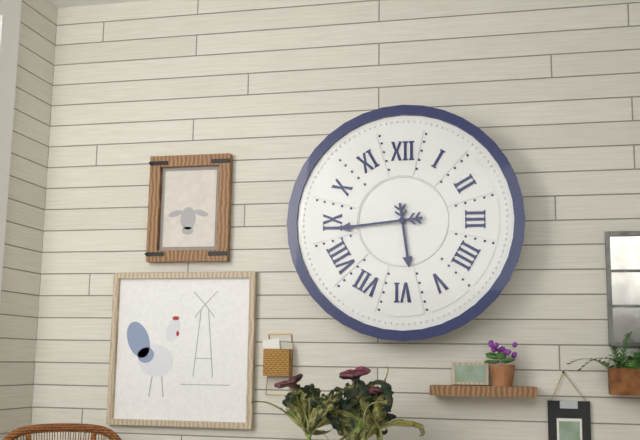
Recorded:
h=5 m=44
